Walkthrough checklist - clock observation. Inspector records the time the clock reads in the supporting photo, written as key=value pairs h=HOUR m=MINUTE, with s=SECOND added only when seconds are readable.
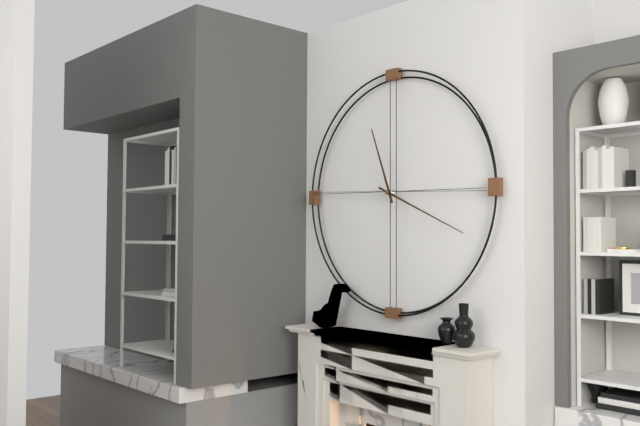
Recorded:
h=11 m=19
